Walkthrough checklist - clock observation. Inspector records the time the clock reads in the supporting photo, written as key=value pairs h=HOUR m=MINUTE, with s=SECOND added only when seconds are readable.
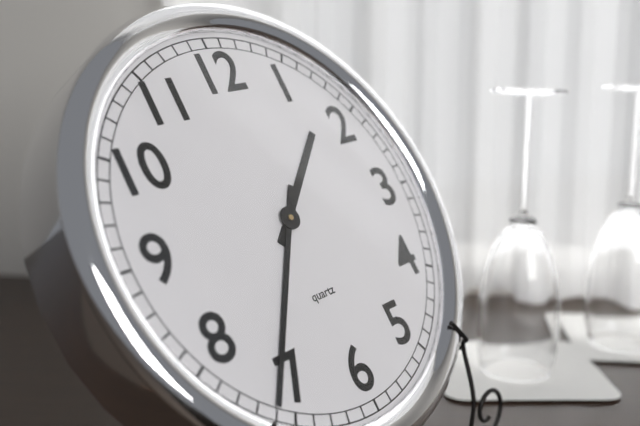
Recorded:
h=1 m=36
